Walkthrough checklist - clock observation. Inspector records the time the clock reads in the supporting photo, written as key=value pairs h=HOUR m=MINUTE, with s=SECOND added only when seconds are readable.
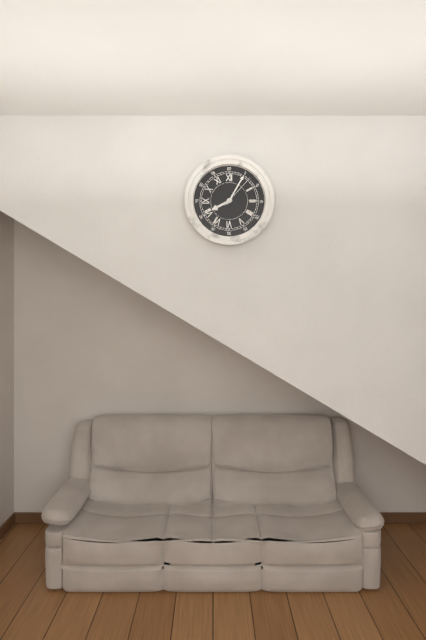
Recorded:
h=8 m=5
